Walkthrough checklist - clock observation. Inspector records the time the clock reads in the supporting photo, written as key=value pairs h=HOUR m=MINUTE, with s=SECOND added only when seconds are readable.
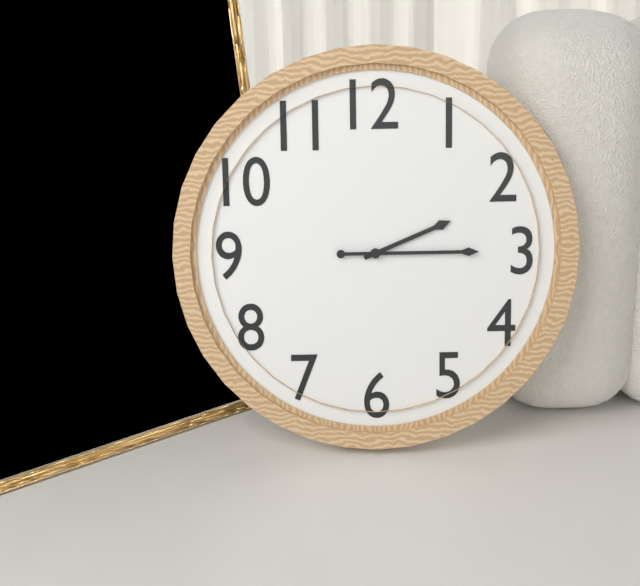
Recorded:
h=2 m=15
